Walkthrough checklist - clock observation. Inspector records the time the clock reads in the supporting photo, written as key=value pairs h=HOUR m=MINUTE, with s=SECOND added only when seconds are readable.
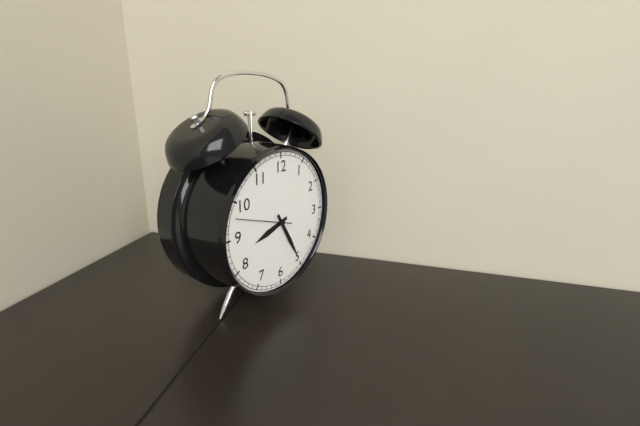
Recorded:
h=8 m=25 s=48
